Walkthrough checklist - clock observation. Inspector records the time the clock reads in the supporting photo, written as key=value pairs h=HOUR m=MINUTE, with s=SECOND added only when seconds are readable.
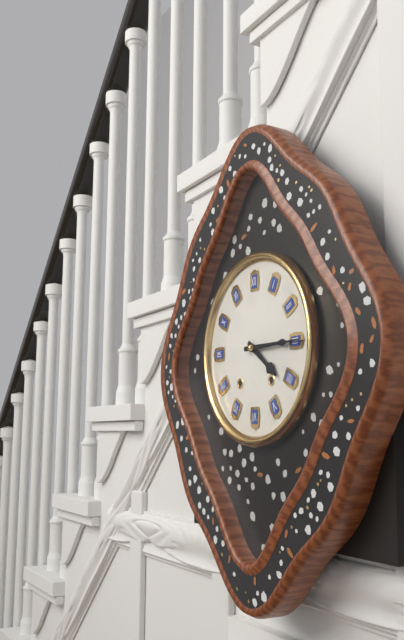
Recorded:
h=4 m=15
